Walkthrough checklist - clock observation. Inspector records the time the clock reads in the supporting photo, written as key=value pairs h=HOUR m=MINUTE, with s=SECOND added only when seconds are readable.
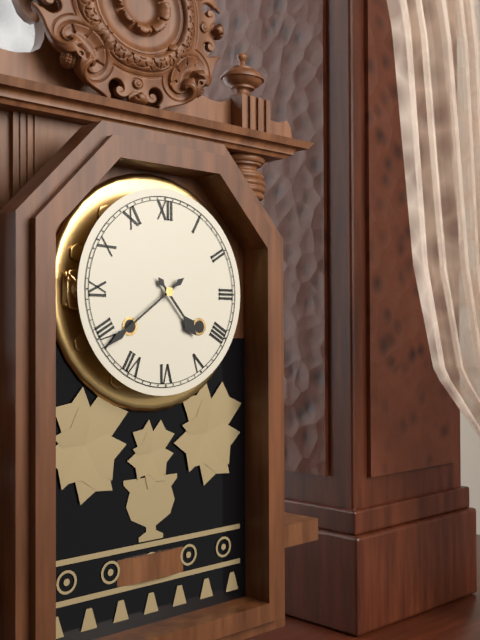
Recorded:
h=4 m=39
